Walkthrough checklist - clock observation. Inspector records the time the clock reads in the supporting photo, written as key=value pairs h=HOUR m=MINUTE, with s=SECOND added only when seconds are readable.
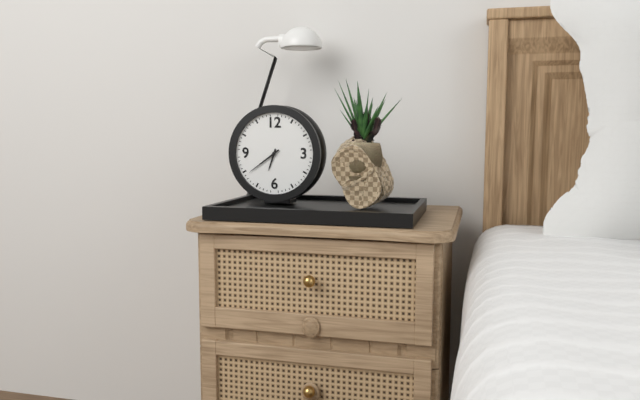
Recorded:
h=6 m=39
